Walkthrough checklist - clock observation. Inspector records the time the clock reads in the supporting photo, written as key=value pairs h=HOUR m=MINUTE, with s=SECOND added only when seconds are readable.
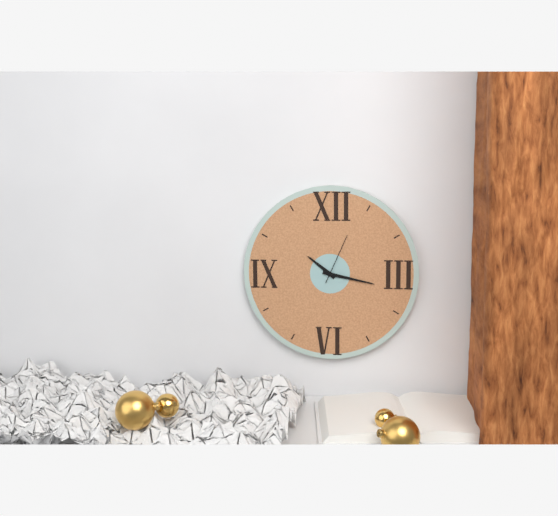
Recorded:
h=10 m=17 s=4
